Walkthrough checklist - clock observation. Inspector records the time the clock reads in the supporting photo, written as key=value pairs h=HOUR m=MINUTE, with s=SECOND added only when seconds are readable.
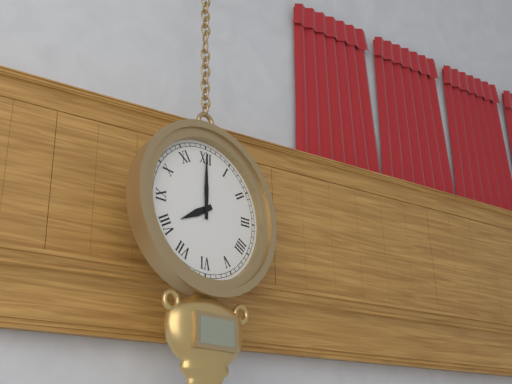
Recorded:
h=8 m=0
